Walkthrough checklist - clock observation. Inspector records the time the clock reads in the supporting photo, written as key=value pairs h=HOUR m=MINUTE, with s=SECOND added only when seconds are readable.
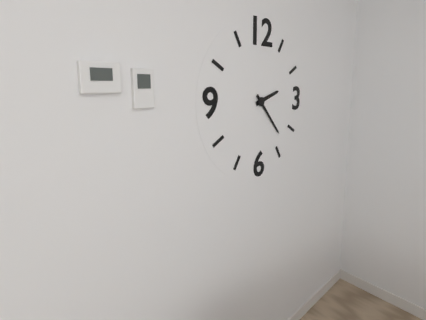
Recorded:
h=2 m=23
